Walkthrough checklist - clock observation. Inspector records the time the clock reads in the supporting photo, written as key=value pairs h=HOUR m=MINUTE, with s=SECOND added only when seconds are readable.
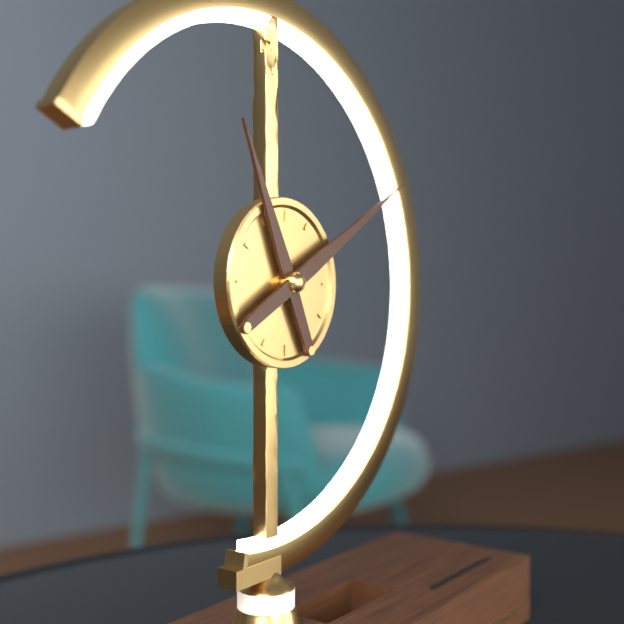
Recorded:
h=11 m=10
